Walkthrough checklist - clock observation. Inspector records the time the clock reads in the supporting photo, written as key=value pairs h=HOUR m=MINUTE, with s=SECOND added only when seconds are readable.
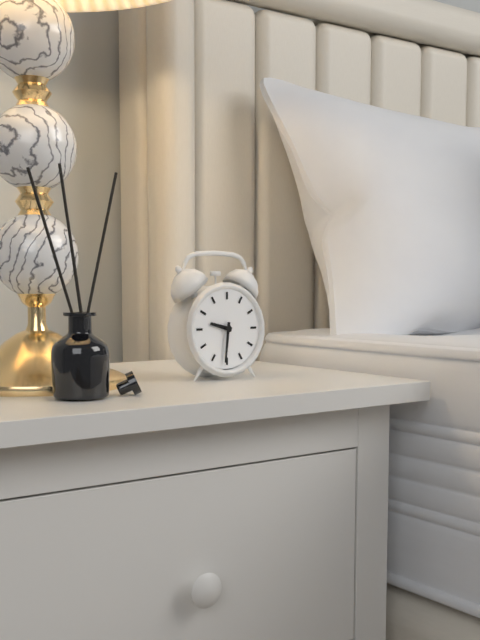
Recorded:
h=9 m=31
